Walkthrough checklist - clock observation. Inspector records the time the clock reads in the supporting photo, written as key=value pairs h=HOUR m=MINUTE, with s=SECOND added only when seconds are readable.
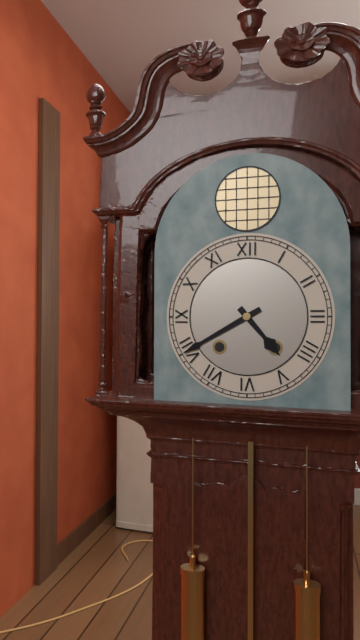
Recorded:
h=4 m=40
